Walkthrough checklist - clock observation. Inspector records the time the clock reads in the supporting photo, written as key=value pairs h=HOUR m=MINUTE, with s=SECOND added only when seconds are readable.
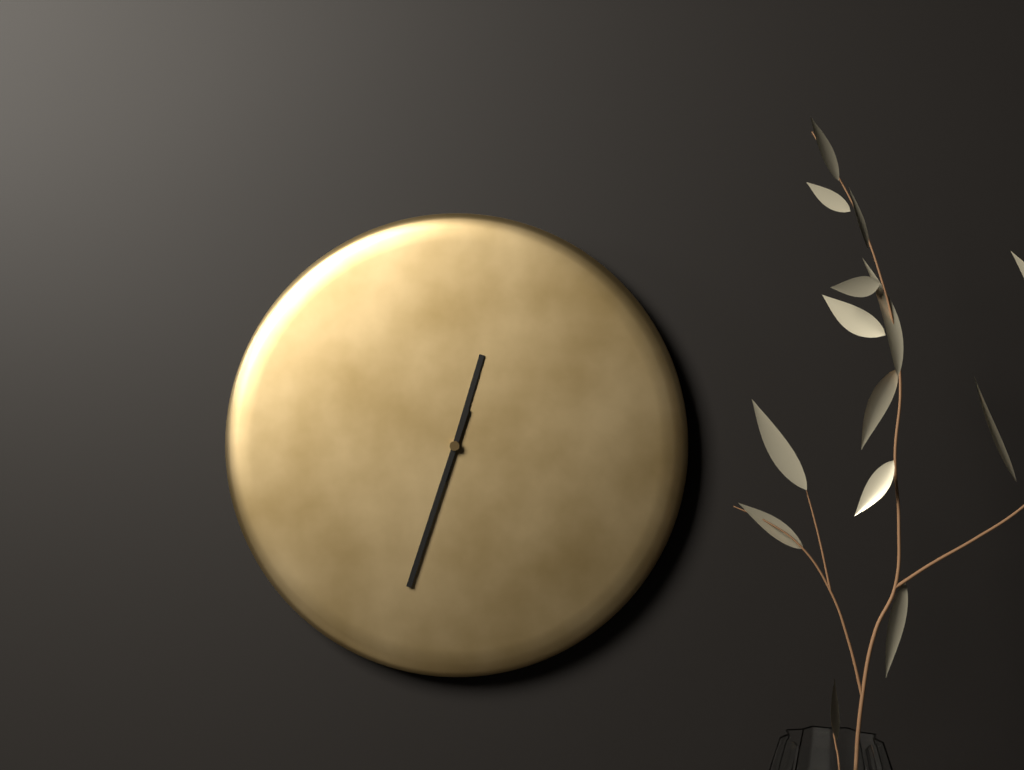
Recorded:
h=12 m=33
